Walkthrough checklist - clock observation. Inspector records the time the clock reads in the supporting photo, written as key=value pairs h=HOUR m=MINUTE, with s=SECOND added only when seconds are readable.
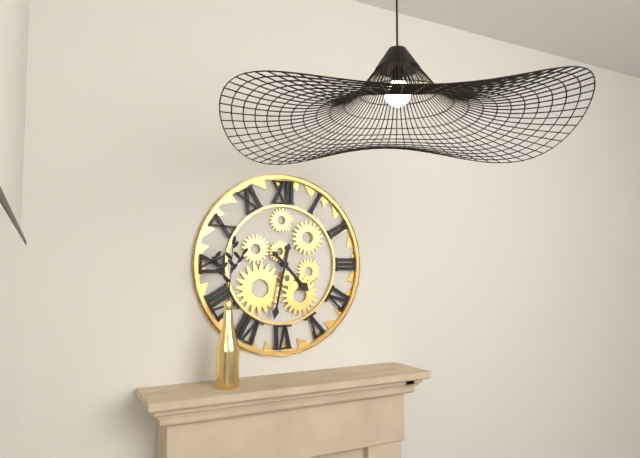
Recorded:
h=4 m=32
